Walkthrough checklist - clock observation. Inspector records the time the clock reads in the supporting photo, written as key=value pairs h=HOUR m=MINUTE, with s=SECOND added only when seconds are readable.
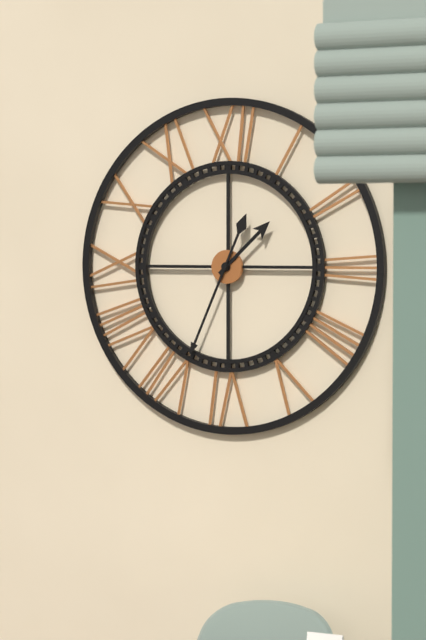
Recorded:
h=1 m=34
